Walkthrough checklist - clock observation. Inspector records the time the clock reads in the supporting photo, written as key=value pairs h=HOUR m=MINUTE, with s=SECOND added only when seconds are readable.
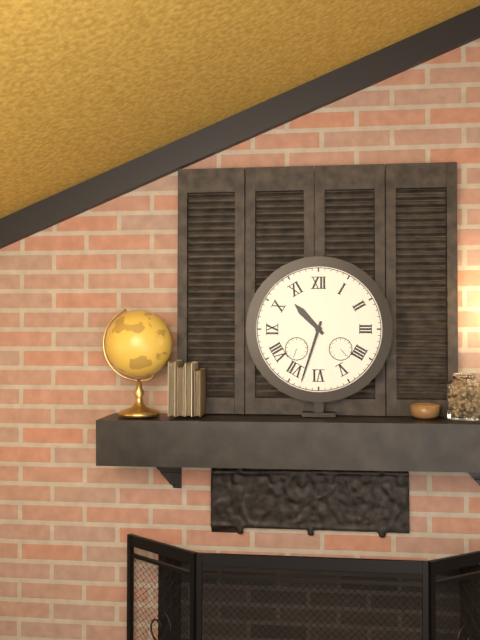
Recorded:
h=10 m=33
